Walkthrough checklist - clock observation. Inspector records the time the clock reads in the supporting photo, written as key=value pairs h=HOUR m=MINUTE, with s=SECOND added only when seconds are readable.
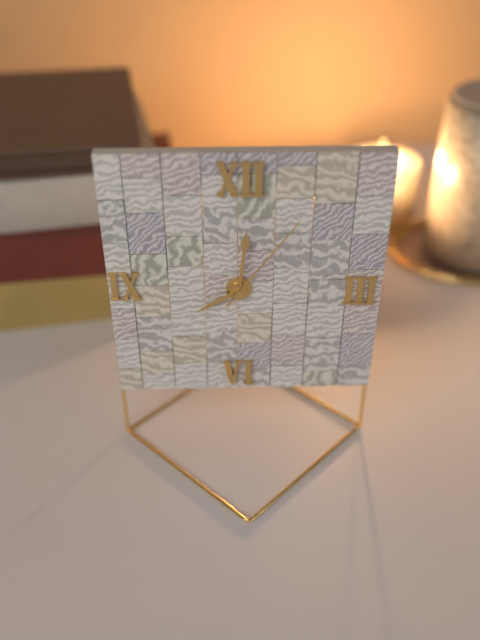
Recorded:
h=8 m=1 s=6
